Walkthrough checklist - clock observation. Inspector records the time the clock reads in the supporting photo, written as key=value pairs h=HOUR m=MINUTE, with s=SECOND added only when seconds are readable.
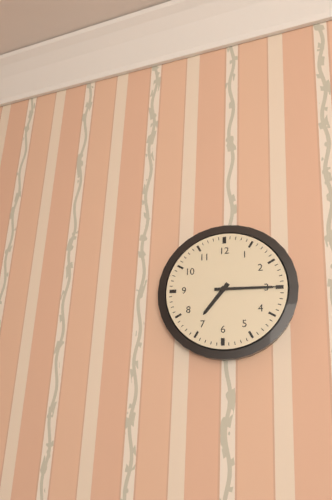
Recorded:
h=7 m=15
